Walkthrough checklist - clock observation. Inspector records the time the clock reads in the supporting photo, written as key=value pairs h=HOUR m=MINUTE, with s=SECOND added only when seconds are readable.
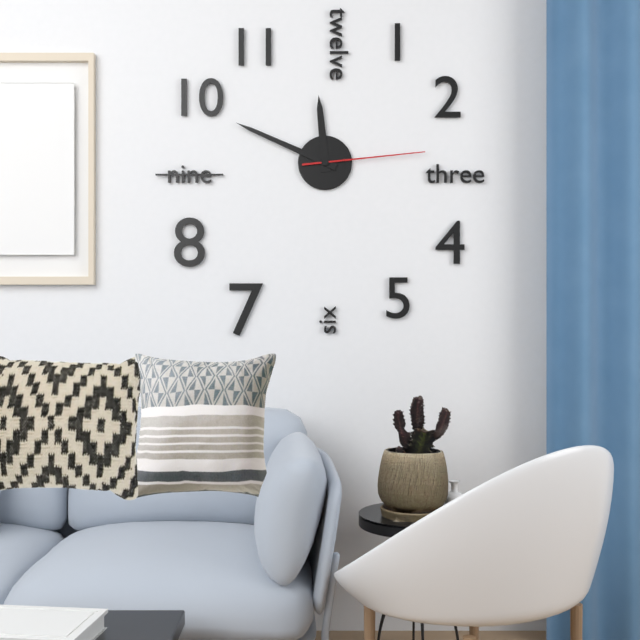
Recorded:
h=11 m=49 s=14
